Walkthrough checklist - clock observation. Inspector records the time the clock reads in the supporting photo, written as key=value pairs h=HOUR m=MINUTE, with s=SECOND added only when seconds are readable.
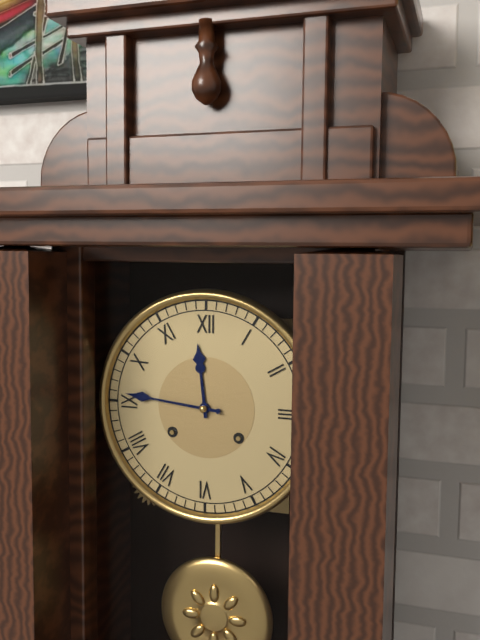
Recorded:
h=11 m=46
